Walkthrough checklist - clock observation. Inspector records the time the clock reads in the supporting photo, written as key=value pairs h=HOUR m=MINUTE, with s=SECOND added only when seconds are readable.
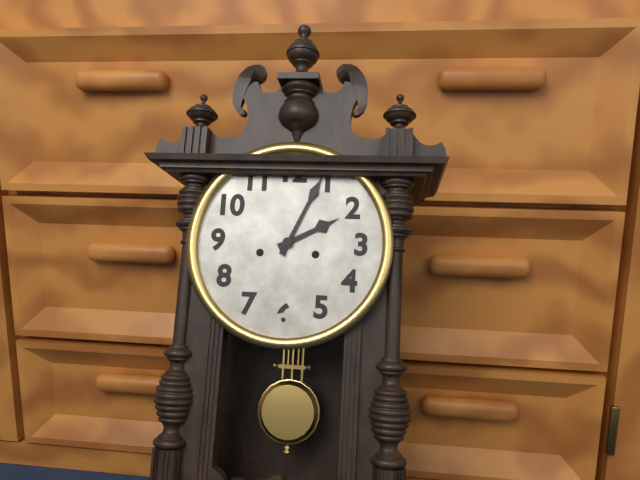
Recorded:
h=2 m=4
